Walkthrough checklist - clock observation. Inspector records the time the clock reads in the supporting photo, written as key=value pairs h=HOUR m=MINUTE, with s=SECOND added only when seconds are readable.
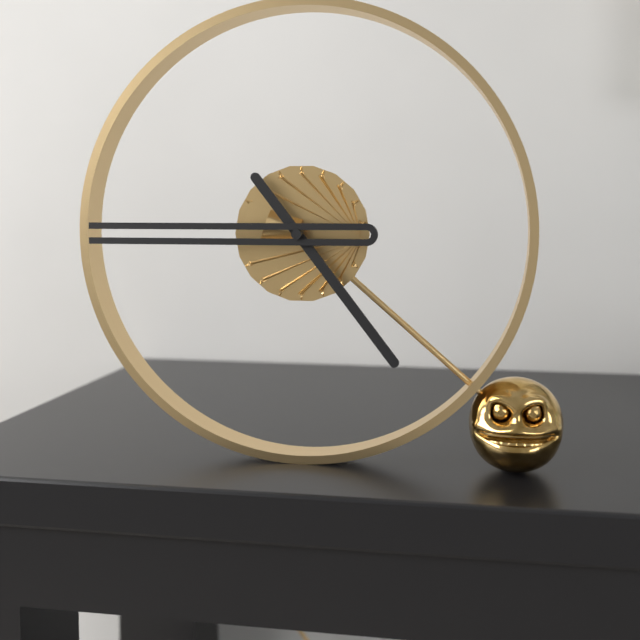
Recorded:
h=4 m=45
